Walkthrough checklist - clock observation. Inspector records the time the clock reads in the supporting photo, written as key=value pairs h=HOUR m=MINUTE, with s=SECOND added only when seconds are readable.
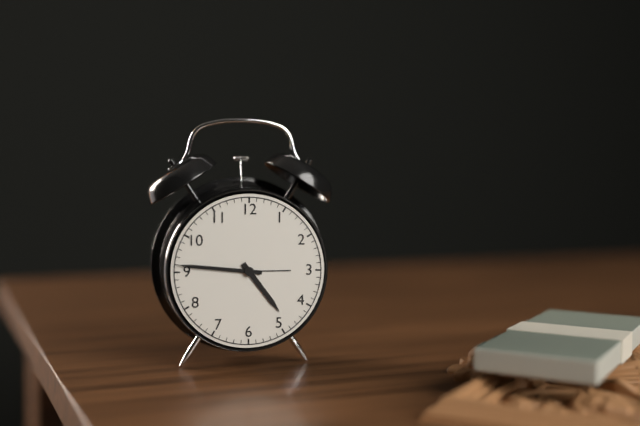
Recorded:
h=4 m=46
